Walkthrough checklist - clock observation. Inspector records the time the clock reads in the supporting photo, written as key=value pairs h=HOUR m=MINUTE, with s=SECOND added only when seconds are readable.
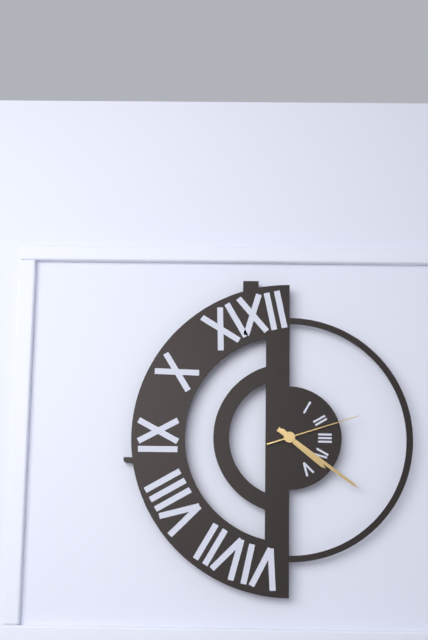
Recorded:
h=4 m=21 s=12
